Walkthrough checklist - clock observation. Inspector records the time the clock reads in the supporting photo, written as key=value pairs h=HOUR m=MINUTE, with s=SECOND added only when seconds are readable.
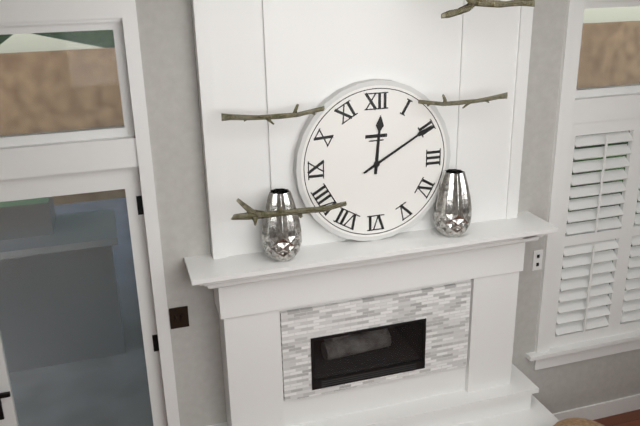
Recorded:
h=12 m=10
